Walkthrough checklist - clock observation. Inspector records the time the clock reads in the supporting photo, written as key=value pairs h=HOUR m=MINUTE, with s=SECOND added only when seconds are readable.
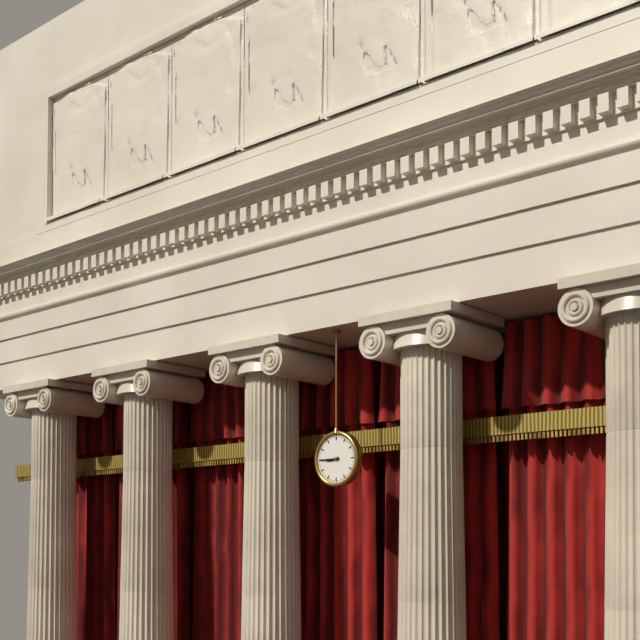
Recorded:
h=8 m=45
